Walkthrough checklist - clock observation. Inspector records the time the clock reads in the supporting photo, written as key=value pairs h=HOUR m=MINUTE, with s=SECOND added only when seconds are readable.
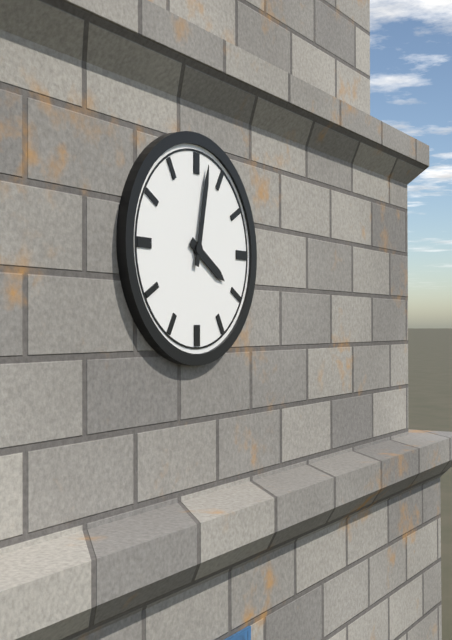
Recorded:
h=4 m=2
